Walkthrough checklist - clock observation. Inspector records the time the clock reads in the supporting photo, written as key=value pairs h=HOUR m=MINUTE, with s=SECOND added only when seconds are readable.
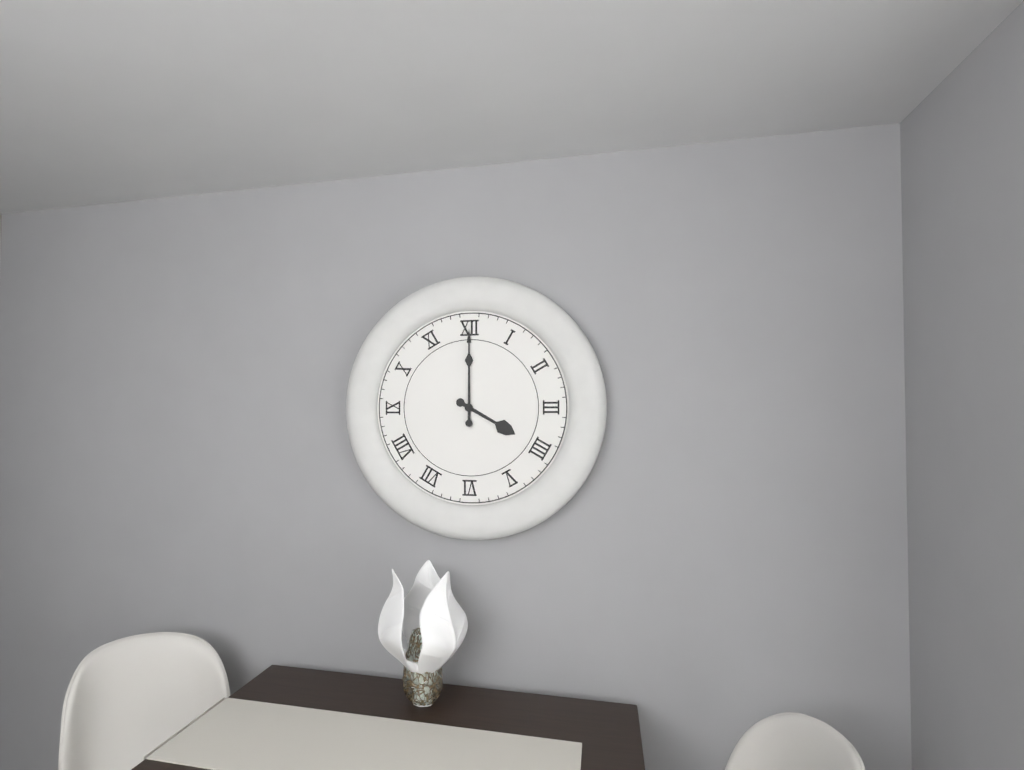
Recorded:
h=4 m=0
